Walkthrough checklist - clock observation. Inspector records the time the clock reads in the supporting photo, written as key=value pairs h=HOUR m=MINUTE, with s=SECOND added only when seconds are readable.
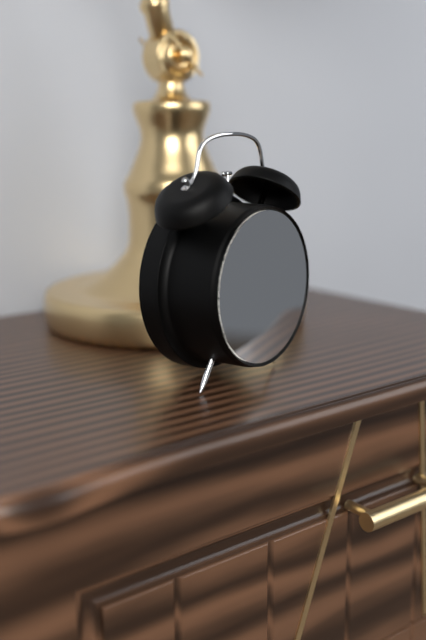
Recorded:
h=9 m=37
